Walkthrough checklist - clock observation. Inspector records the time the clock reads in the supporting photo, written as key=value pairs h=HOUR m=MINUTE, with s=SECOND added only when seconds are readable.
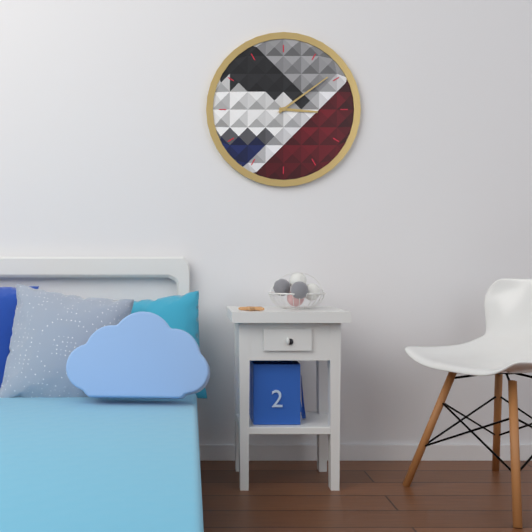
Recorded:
h=3 m=9
